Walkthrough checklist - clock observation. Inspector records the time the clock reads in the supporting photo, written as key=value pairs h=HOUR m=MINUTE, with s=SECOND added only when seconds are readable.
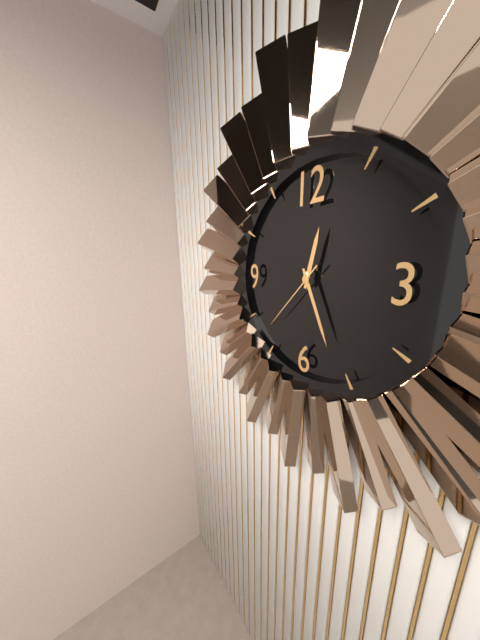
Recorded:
h=12 m=26 s=37
